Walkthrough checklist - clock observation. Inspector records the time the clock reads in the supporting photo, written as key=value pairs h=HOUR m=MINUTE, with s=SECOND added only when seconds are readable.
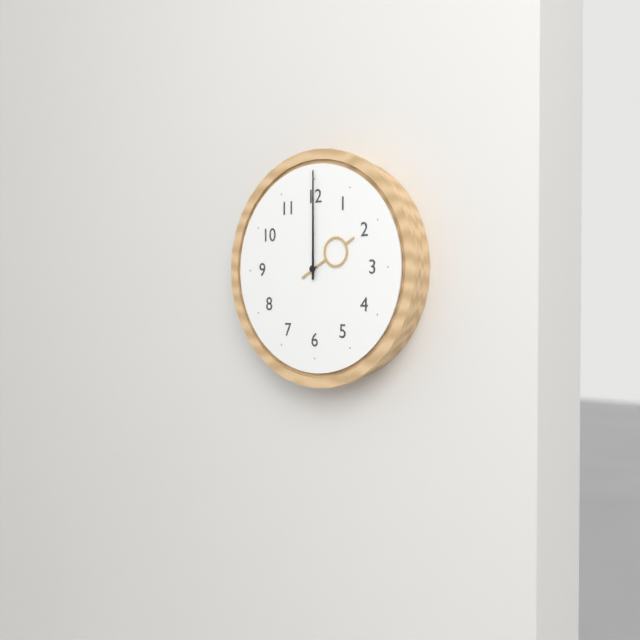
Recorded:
h=2 m=0
